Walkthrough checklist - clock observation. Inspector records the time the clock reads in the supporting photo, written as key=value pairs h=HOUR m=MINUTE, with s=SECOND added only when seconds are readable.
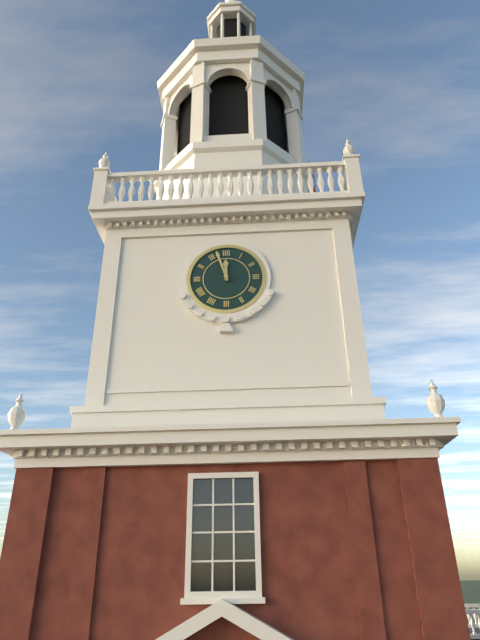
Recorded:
h=11 m=57
